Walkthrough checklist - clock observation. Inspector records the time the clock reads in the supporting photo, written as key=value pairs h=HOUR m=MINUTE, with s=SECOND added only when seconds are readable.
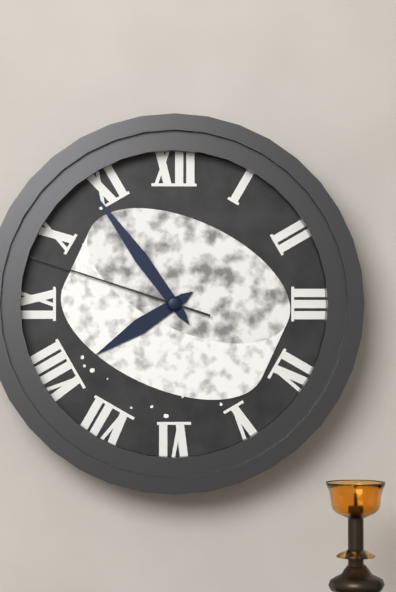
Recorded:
h=7 m=54 s=48
